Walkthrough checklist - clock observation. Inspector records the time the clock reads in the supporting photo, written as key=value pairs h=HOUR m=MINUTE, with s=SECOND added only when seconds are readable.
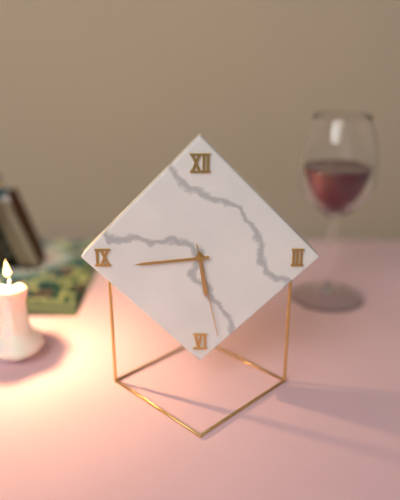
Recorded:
h=5 m=44 s=28
